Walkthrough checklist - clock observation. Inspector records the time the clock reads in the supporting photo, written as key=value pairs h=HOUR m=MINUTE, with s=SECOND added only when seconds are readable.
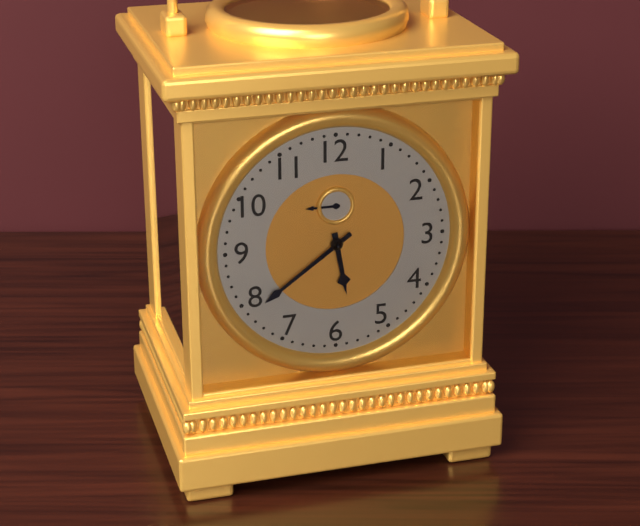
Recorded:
h=5 m=39
